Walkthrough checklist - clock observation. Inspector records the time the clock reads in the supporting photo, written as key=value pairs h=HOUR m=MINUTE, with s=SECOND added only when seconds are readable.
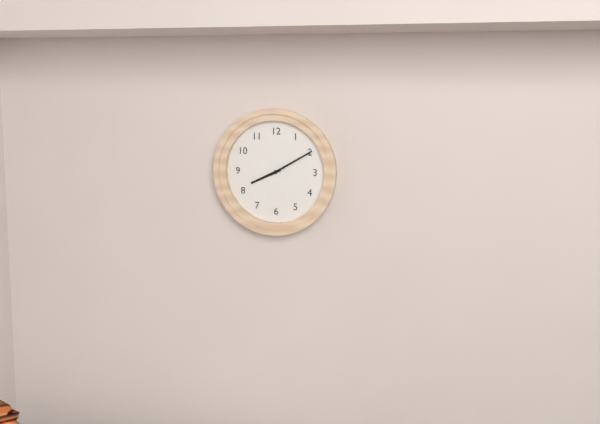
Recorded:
h=8 m=10
